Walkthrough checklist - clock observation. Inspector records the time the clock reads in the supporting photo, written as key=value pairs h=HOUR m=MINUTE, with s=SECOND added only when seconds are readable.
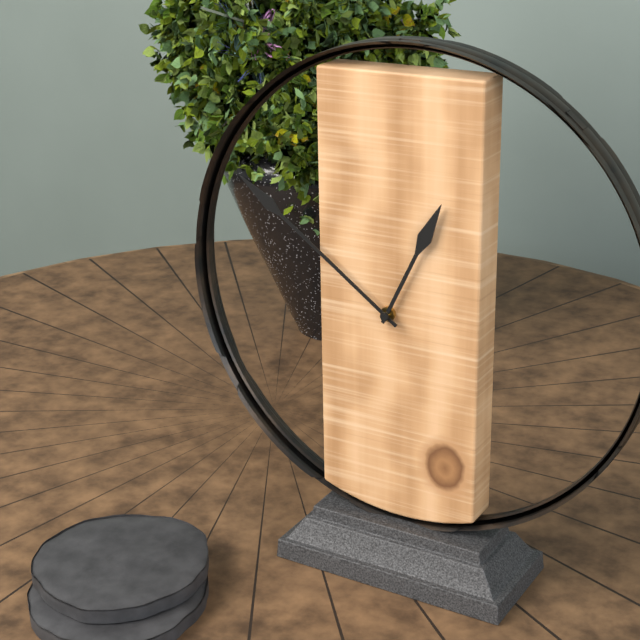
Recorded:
h=12 m=51
